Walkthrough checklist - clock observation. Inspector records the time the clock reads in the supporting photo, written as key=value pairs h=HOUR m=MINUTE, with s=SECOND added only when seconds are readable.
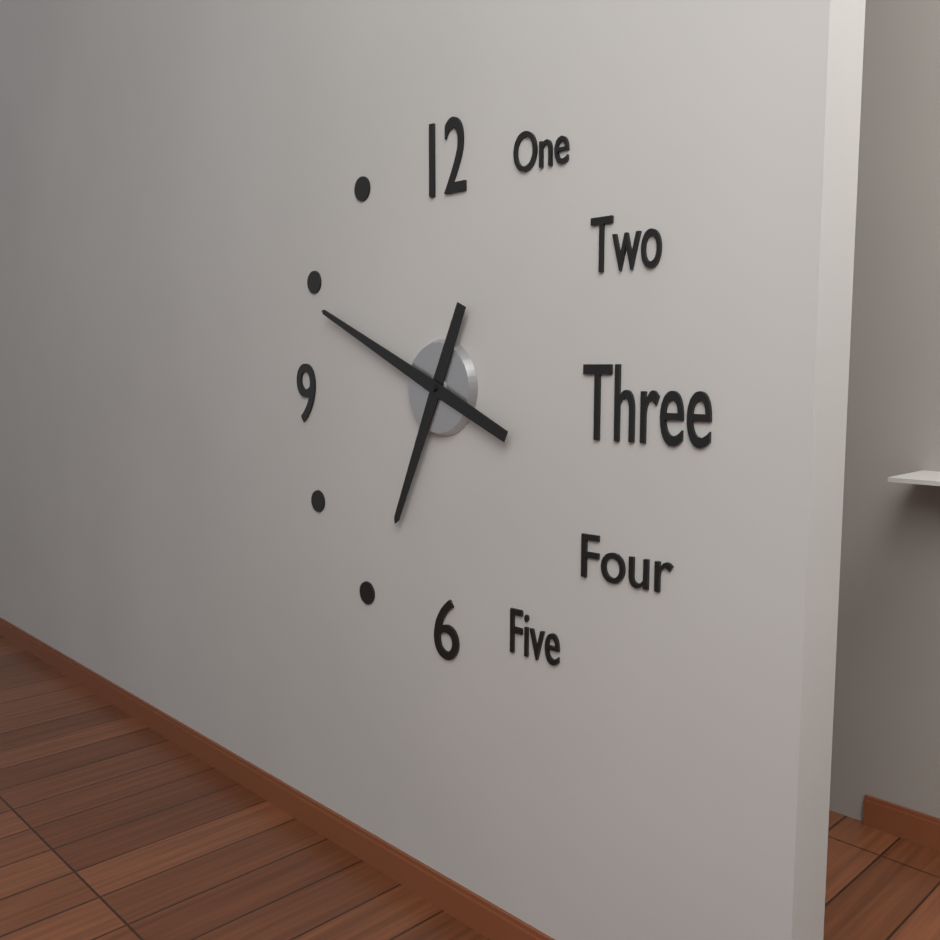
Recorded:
h=6 m=49
